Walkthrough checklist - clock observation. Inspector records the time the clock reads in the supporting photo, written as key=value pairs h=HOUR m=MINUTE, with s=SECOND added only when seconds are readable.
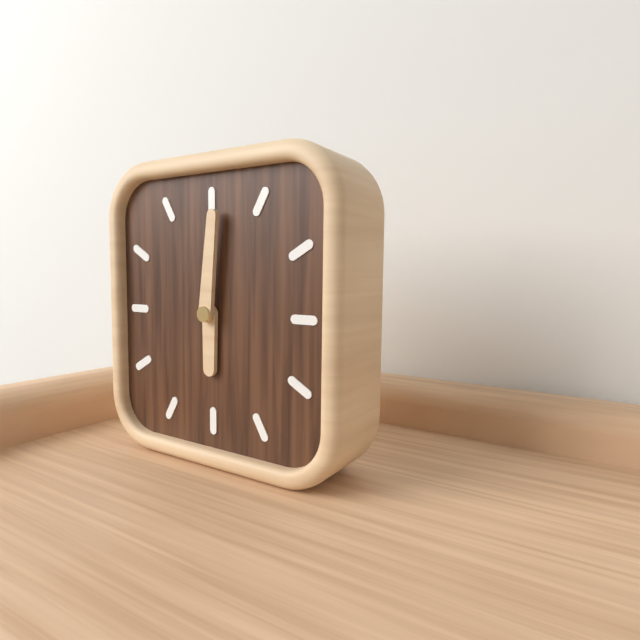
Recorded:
h=6 m=1
